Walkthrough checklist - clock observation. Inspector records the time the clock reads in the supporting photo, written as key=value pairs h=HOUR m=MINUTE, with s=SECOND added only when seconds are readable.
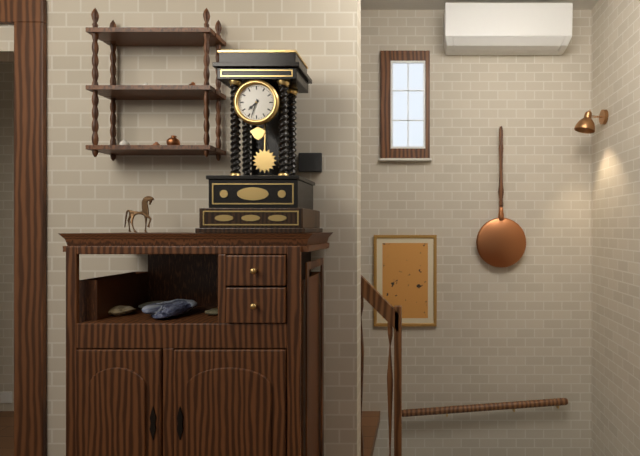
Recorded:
h=7 m=33
